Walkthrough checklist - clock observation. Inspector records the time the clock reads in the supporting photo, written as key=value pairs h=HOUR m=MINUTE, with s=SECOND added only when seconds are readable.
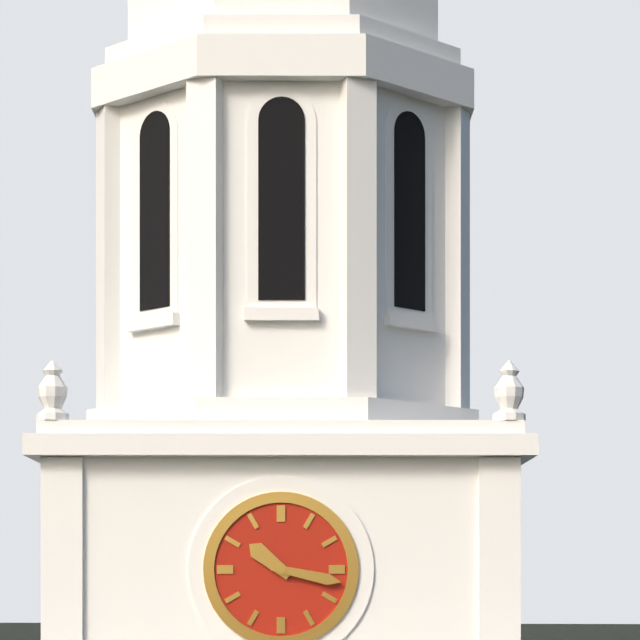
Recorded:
h=10 m=17
